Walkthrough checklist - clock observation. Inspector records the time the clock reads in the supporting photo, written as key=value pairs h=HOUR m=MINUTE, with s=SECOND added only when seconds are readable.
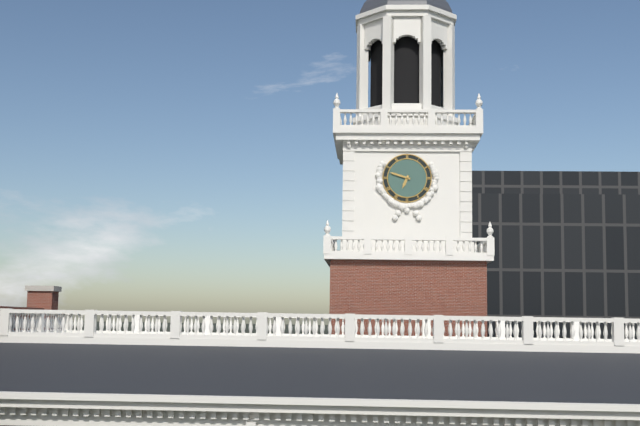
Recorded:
h=6 m=48
